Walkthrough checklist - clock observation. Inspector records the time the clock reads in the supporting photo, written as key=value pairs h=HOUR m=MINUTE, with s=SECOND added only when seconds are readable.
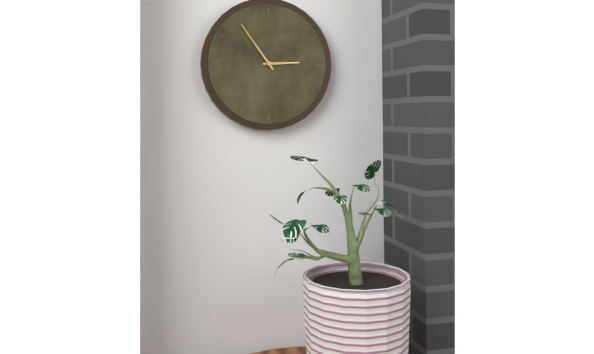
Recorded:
h=2 m=54
